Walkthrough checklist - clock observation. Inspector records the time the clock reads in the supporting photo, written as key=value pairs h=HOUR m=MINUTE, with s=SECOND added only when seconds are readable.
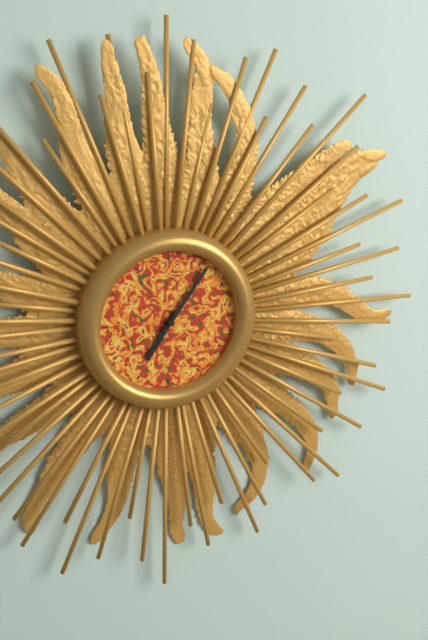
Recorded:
h=7 m=6
